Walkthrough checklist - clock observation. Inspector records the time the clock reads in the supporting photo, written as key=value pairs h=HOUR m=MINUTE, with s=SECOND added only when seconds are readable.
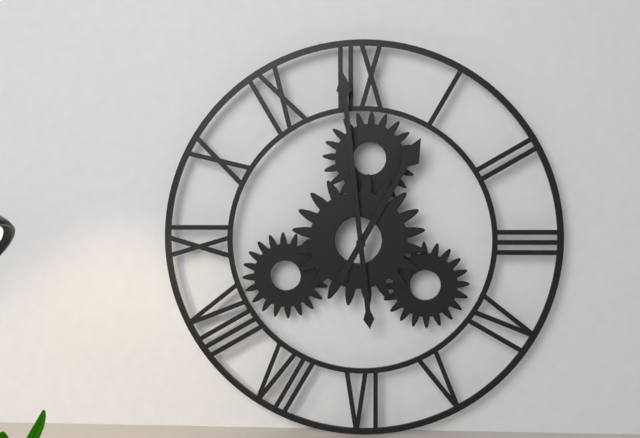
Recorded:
h=12 m=59
